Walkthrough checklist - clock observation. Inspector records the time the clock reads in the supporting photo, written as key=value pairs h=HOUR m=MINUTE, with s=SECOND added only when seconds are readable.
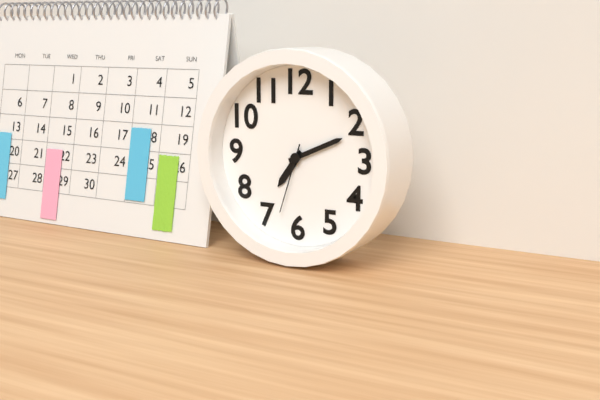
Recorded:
h=7 m=11 s=33
